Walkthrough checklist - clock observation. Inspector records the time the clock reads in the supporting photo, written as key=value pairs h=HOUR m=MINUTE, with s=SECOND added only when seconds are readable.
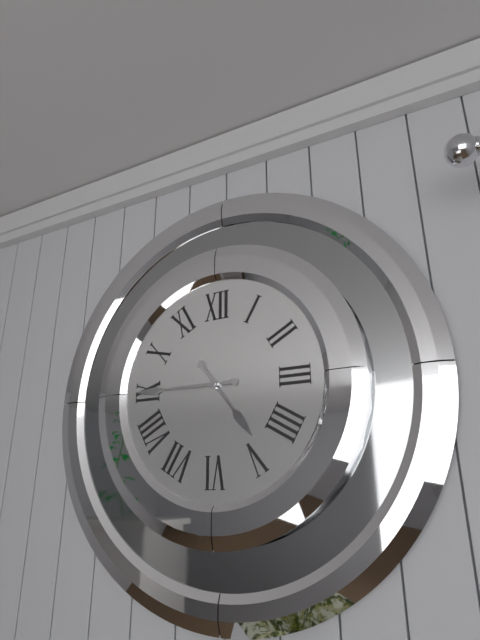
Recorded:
h=4 m=45
